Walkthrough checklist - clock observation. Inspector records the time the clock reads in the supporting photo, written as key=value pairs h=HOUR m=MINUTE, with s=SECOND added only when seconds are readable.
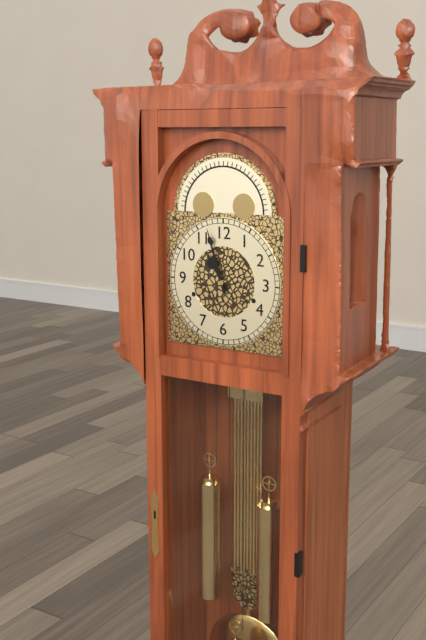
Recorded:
h=10 m=57
